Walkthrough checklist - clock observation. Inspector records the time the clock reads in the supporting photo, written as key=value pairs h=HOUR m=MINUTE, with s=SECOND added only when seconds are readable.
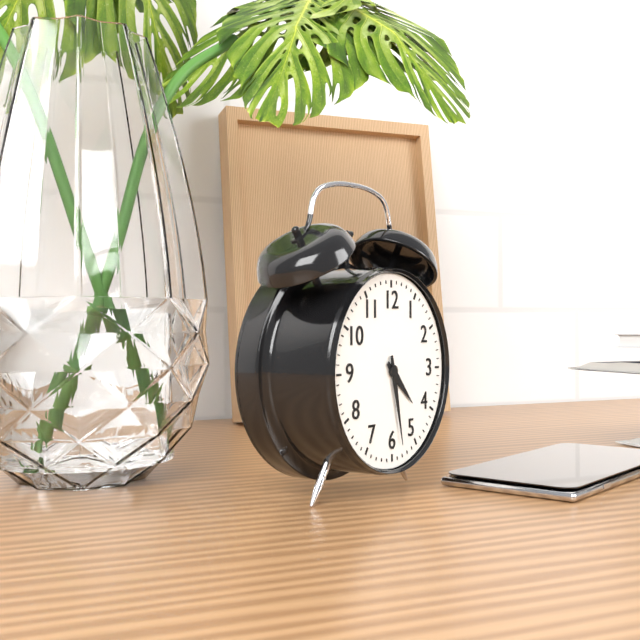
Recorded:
h=4 m=28
